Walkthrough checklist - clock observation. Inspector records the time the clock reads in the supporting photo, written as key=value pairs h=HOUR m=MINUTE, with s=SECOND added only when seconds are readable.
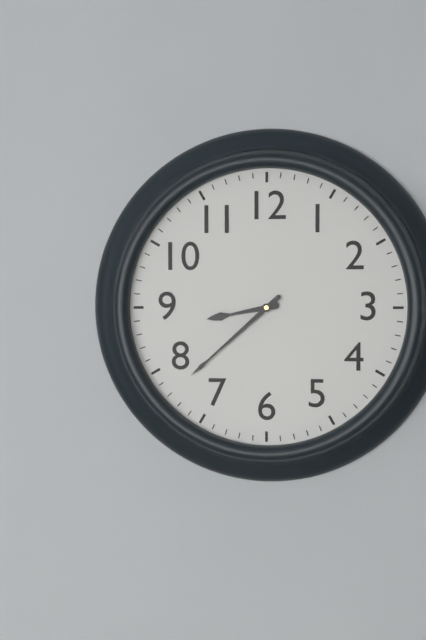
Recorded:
h=8 m=38
